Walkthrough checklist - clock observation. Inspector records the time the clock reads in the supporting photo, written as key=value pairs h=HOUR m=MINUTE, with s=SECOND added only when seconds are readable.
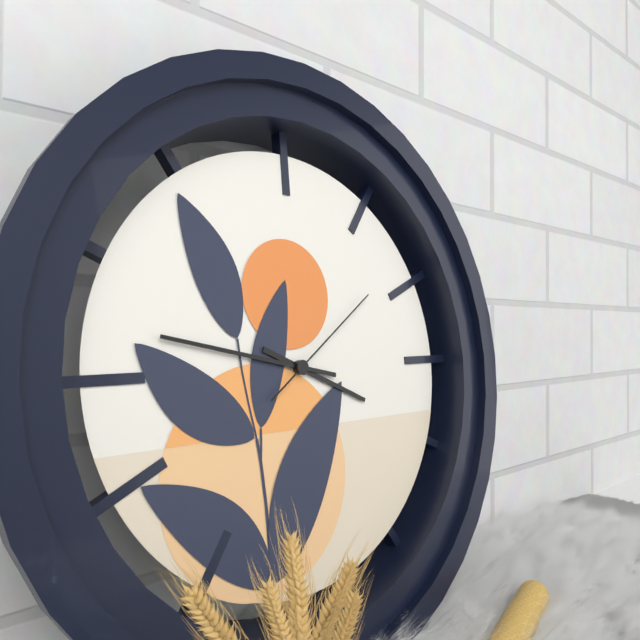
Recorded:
h=3 m=47 s=9
